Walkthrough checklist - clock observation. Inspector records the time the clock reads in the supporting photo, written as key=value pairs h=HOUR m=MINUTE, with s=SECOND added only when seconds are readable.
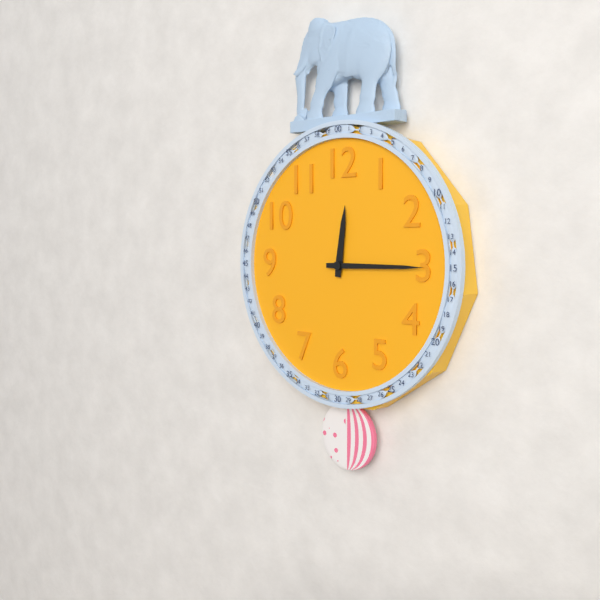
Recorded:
h=12 m=15
